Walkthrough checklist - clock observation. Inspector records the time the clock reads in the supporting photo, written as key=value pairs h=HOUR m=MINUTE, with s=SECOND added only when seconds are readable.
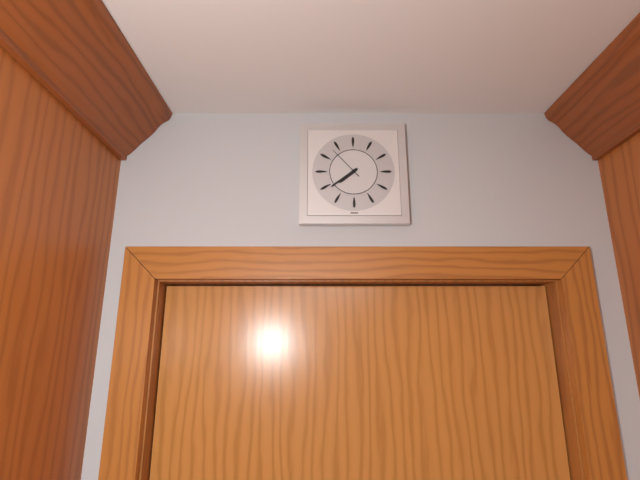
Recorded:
h=7 m=39
